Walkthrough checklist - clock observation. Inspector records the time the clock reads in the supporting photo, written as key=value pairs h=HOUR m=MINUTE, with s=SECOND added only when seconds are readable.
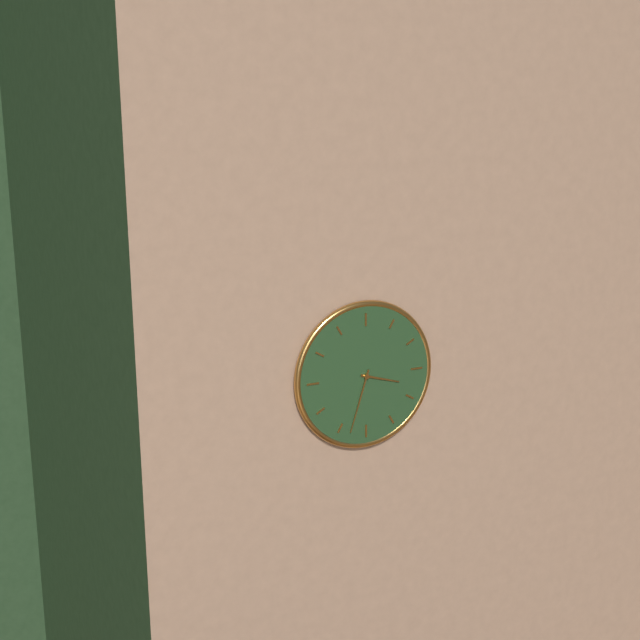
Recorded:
h=3 m=33
